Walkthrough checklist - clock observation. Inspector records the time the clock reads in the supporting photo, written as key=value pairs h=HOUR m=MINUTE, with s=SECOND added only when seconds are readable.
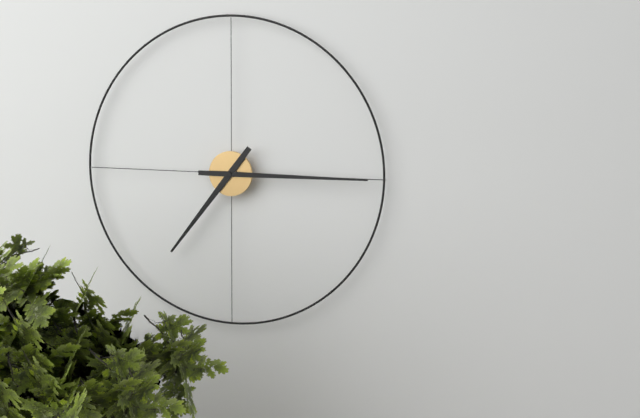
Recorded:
h=7 m=15
